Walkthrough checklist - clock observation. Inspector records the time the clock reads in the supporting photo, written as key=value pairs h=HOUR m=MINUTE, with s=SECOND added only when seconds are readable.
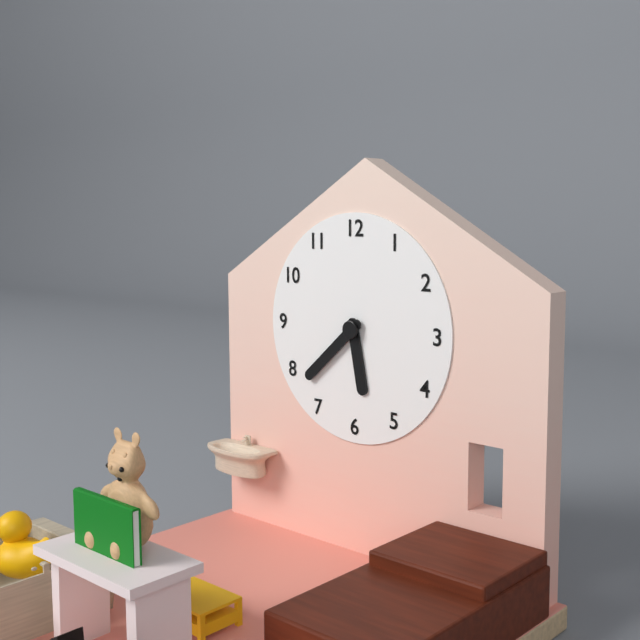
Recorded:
h=5 m=38
